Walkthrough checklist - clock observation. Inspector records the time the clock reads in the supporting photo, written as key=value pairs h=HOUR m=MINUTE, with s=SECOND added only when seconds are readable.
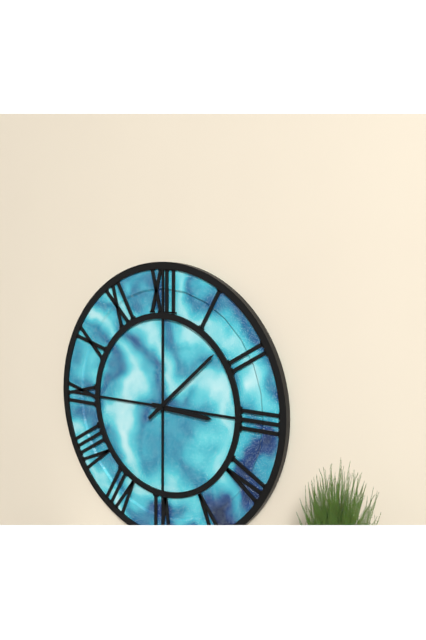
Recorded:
h=3 m=8
